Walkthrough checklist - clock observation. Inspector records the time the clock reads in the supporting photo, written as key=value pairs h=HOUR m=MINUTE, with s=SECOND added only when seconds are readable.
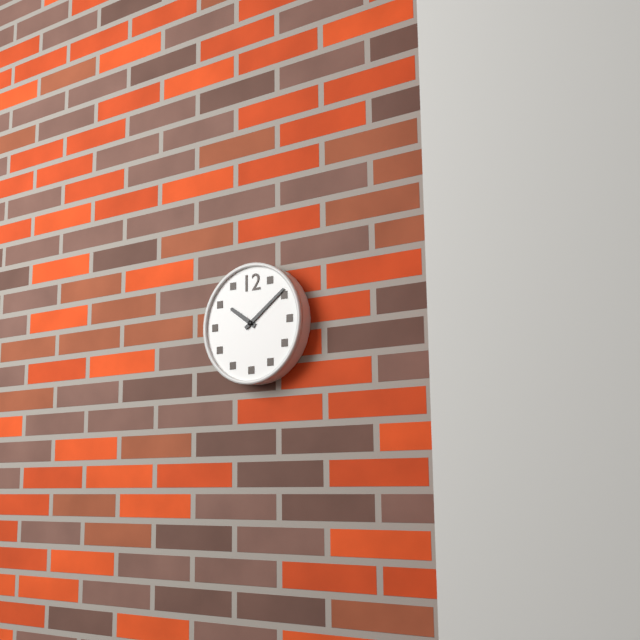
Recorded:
h=10 m=9
